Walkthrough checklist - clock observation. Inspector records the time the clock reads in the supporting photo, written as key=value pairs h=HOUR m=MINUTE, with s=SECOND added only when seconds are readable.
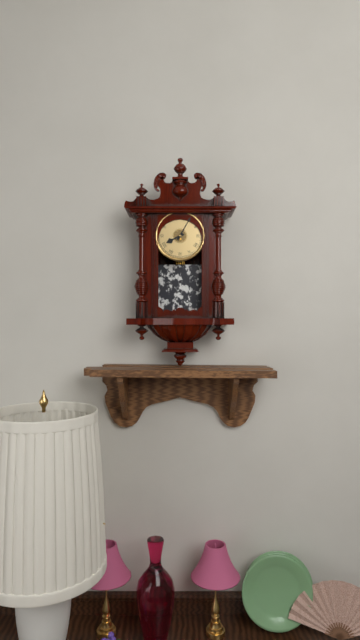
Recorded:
h=8 m=5
